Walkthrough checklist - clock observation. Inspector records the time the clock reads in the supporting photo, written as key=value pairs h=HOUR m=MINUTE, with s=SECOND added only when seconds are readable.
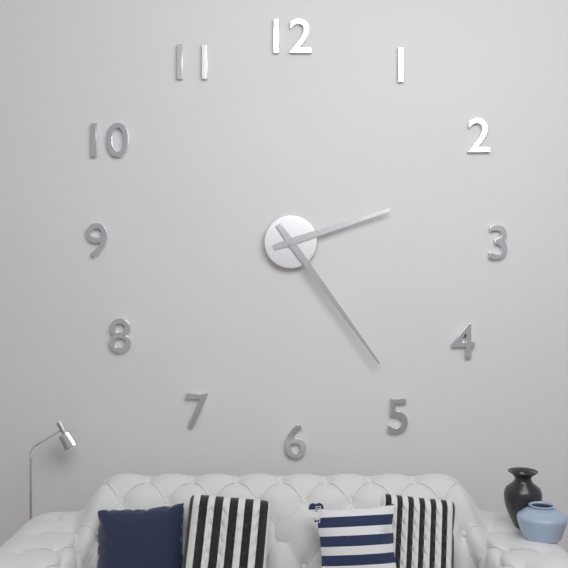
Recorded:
h=2 m=24
